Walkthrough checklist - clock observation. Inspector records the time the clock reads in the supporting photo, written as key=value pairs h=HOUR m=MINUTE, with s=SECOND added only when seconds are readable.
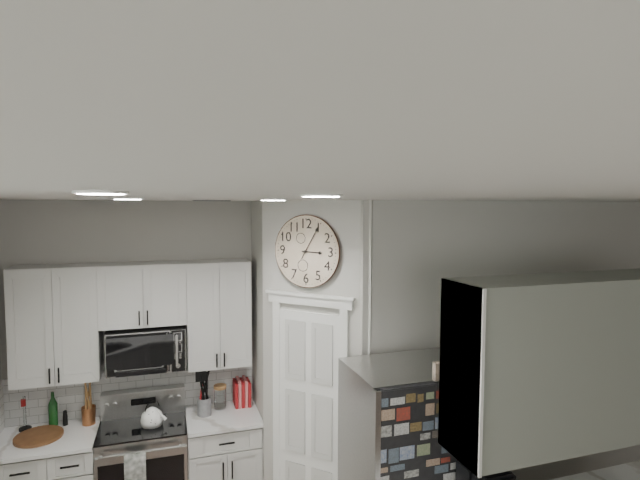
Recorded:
h=3 m=5
